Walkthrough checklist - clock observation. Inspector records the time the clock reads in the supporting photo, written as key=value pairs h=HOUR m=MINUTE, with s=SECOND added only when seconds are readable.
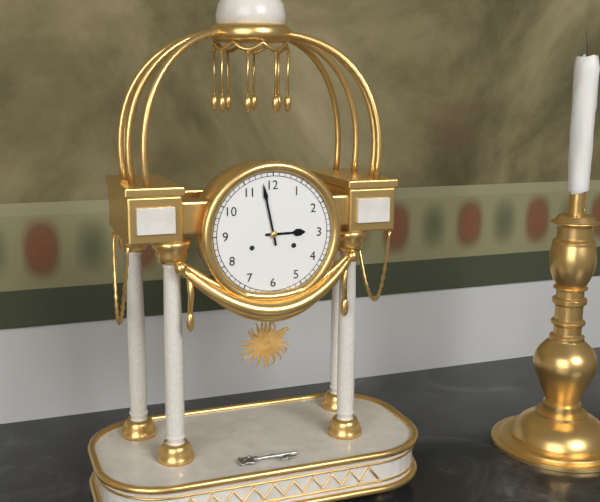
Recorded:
h=2 m=58
